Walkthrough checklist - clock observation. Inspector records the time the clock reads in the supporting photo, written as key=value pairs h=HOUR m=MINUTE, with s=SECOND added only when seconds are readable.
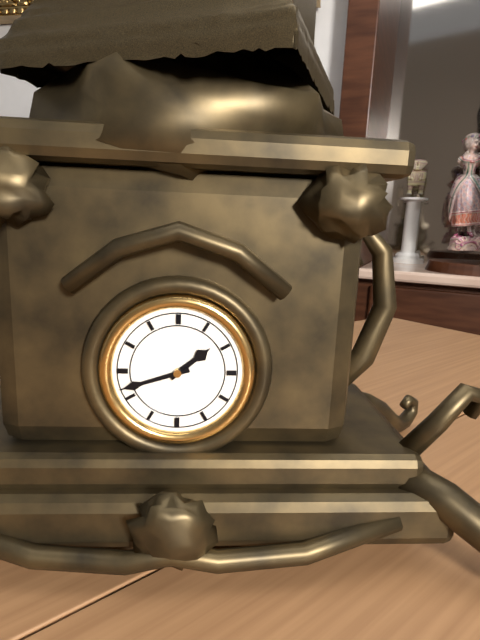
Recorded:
h=1 m=42
